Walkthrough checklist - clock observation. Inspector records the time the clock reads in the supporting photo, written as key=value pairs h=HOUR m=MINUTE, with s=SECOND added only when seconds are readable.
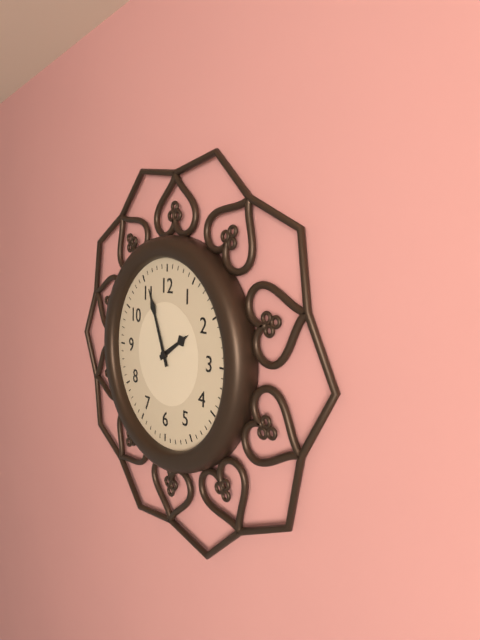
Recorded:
h=1 m=56
